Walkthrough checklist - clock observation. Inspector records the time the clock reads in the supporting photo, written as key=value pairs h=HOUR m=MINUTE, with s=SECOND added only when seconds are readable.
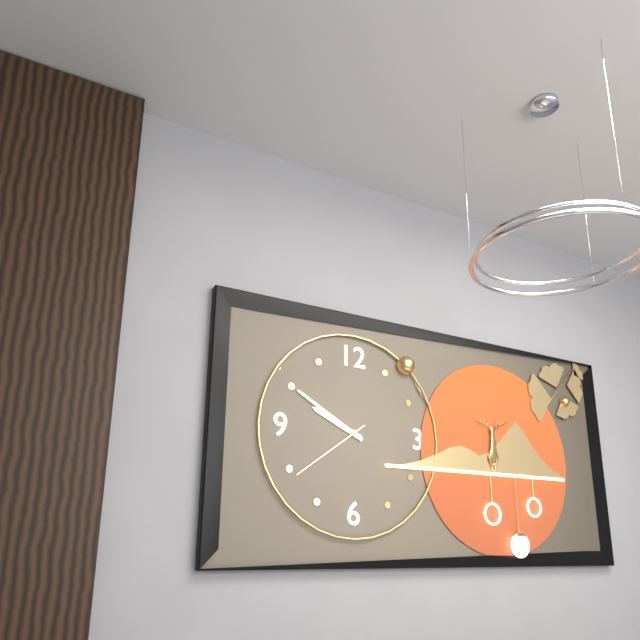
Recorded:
h=9 m=50 s=39
